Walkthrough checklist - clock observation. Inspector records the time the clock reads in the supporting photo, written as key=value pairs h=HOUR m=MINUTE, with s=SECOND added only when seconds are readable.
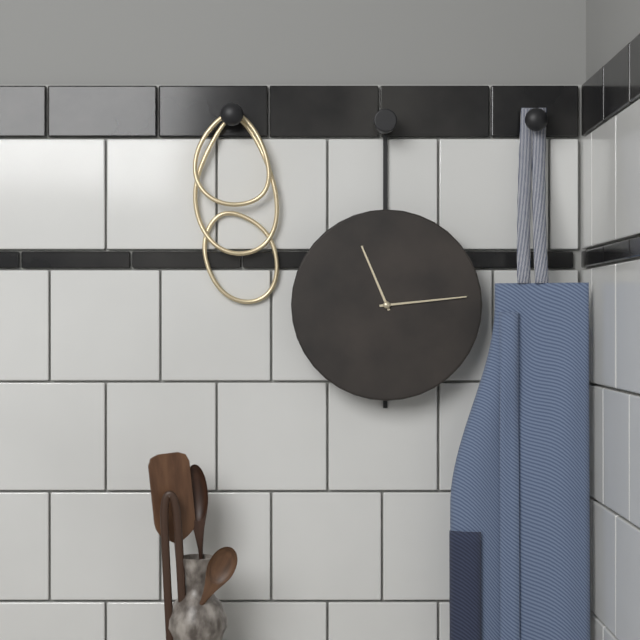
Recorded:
h=11 m=14
